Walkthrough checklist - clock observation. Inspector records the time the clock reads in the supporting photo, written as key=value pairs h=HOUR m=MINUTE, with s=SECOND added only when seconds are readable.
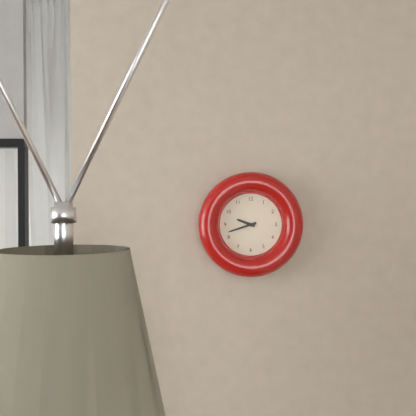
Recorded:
h=9 m=42
